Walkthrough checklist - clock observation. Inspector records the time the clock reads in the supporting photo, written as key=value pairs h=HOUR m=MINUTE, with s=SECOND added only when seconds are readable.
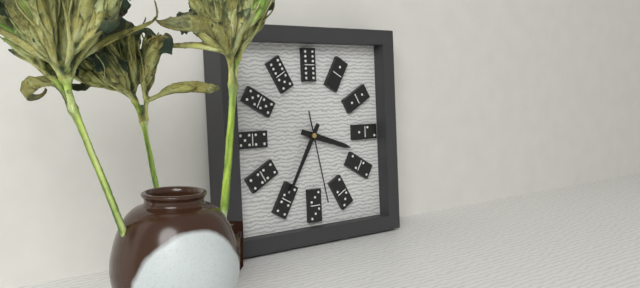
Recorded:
h=3 m=35 s=28
